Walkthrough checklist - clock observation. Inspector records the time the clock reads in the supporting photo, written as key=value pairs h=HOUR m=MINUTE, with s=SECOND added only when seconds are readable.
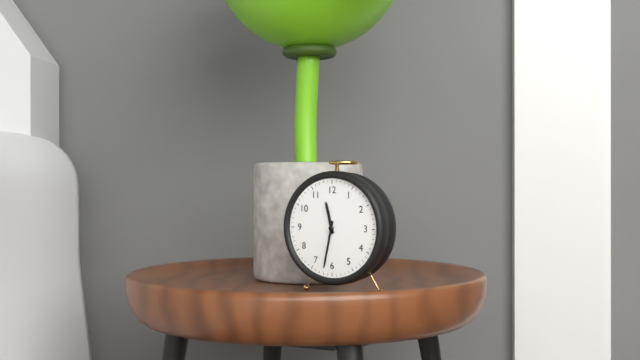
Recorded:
h=11 m=32
